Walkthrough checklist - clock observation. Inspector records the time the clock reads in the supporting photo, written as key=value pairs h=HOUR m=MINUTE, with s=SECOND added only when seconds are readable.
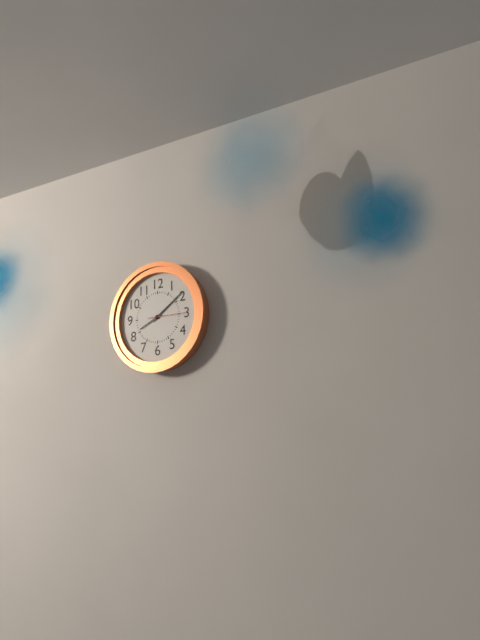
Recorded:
h=8 m=9
